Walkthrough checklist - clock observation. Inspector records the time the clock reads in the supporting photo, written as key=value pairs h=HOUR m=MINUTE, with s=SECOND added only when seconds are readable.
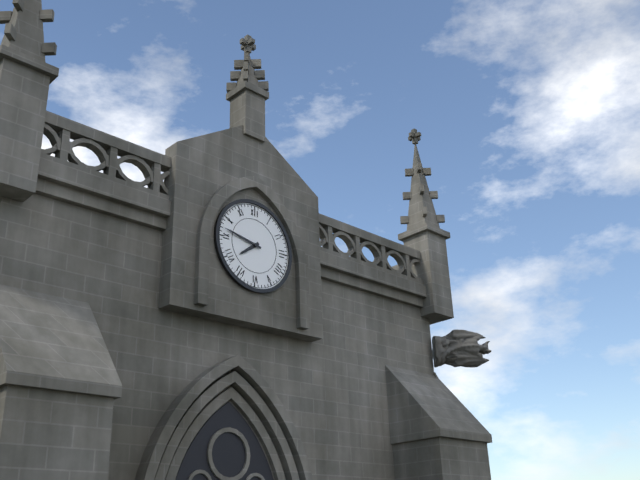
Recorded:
h=7 m=47
